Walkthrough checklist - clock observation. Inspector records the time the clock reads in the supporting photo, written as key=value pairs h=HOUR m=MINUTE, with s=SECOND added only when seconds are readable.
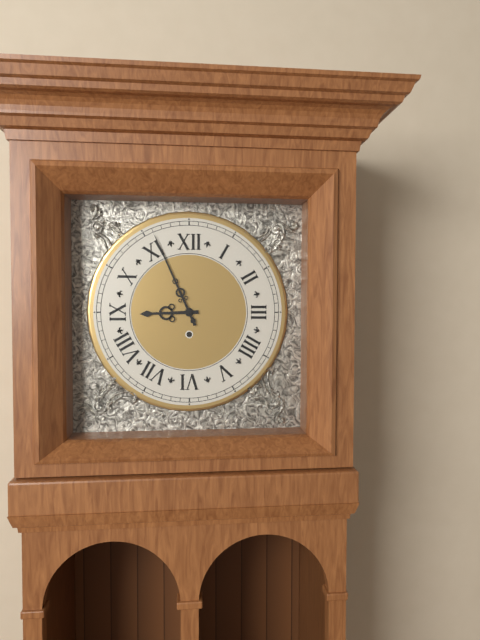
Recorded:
h=8 m=56
